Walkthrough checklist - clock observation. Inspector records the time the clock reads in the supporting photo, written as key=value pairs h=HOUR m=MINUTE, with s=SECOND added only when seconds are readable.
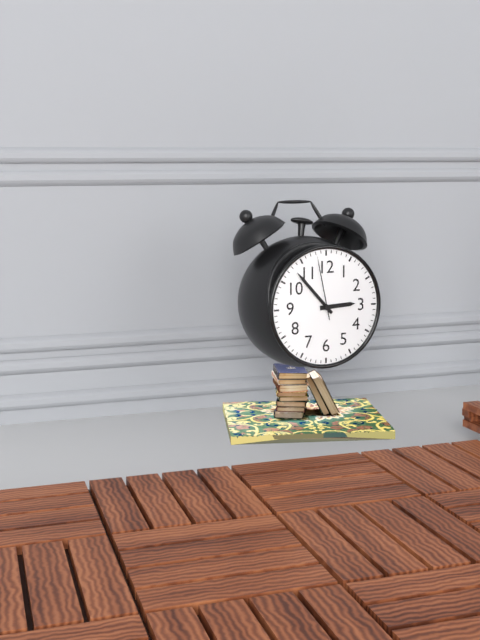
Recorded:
h=2 m=53 s=58
